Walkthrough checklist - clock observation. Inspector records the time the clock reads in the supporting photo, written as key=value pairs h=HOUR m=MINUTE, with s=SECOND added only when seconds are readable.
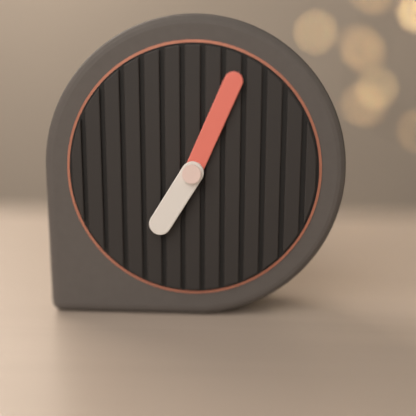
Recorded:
h=7 m=4
